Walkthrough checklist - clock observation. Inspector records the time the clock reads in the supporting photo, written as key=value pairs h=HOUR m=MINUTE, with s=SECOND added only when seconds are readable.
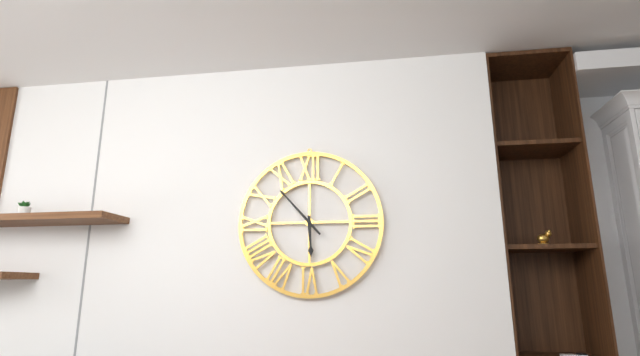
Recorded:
h=5 m=53
